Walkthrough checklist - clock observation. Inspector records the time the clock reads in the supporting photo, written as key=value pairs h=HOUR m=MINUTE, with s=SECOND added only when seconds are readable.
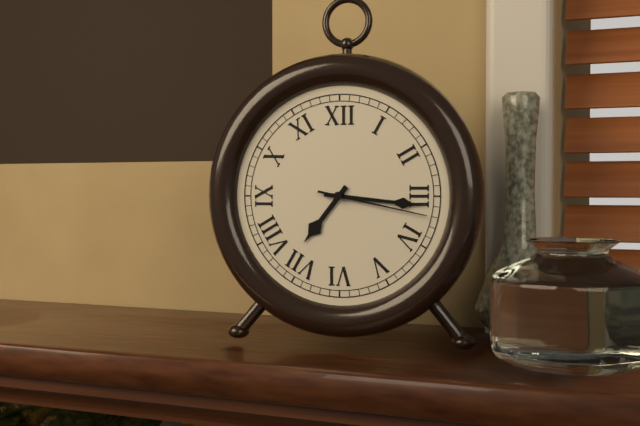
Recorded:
h=7 m=16 s=17
